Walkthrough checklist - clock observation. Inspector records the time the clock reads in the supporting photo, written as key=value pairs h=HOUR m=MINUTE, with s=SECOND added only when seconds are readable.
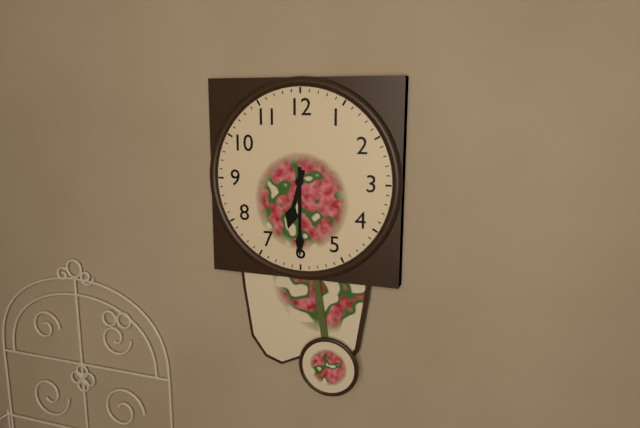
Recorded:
h=6 m=30
